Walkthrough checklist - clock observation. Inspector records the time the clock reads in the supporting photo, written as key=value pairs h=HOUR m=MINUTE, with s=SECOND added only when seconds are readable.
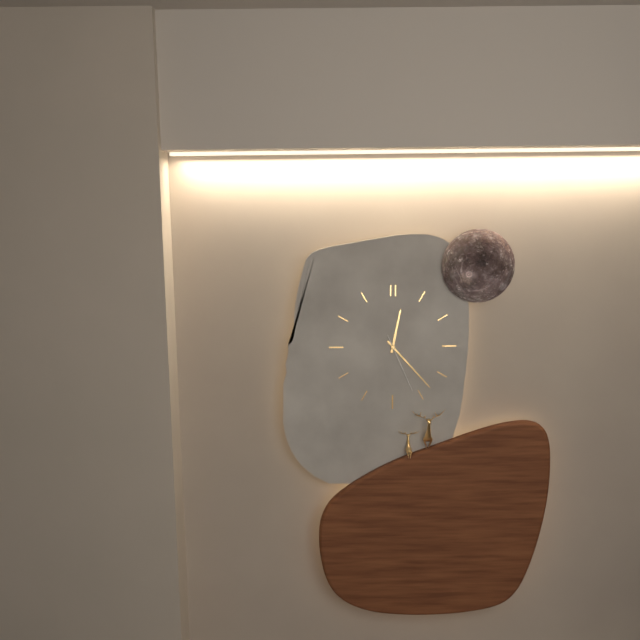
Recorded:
h=12 m=23 s=26
